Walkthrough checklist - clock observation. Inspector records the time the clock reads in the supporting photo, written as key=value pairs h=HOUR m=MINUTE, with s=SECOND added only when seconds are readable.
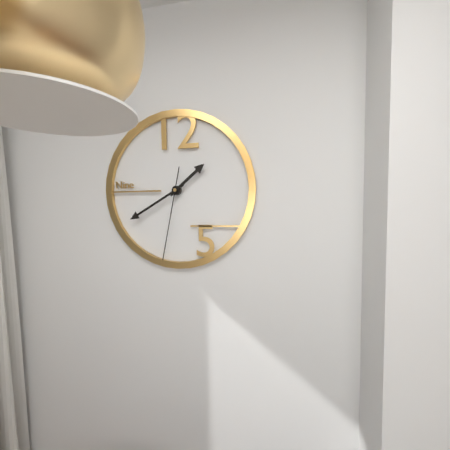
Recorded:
h=1 m=40 s=32
